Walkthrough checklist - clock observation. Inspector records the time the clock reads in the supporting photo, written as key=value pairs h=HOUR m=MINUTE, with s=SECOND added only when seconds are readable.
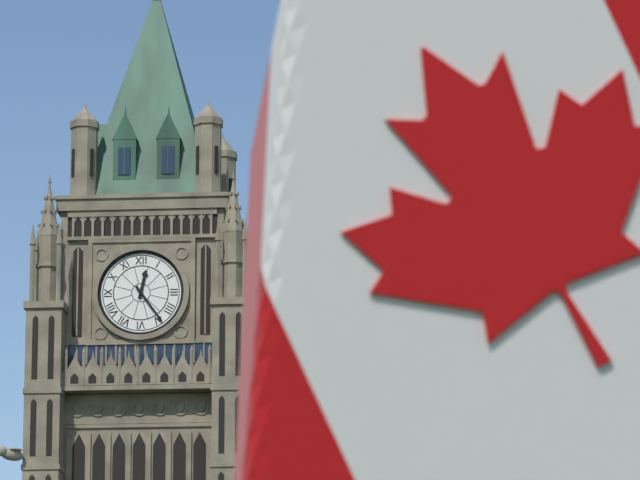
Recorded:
h=12 m=24
